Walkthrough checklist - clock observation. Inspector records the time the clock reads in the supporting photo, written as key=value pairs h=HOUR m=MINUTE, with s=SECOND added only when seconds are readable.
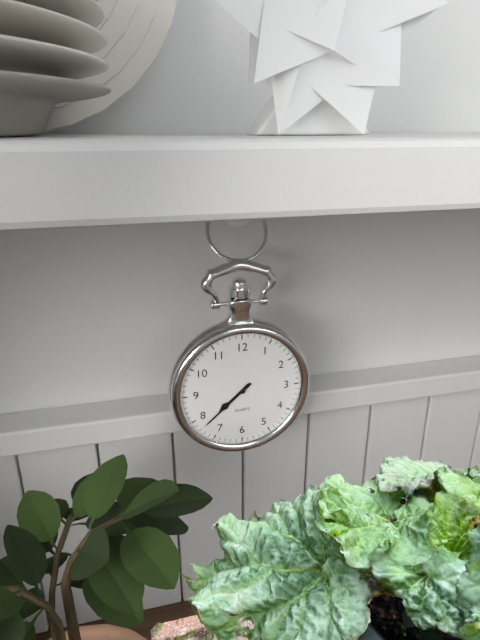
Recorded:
h=7 m=38
